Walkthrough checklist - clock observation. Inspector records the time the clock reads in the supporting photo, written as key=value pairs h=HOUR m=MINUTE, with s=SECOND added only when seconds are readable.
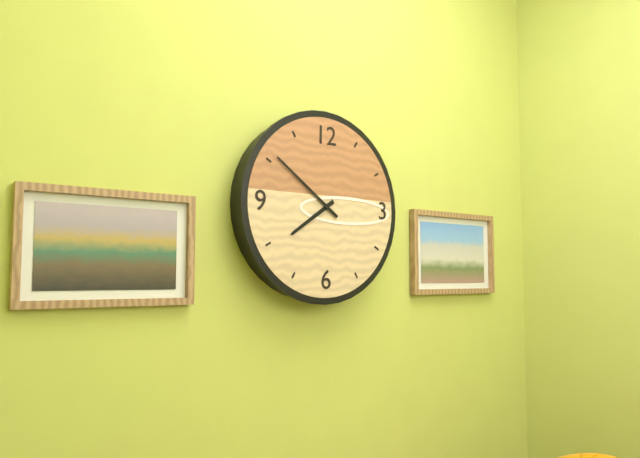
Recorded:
h=7 m=51
